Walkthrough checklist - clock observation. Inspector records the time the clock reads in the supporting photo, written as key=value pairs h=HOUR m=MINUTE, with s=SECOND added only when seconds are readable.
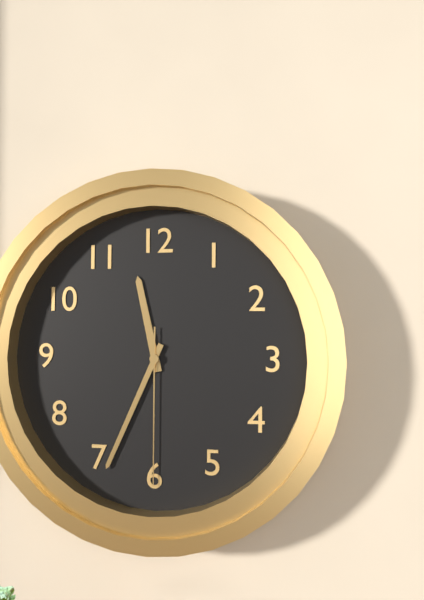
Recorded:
h=11 m=34 s=30
